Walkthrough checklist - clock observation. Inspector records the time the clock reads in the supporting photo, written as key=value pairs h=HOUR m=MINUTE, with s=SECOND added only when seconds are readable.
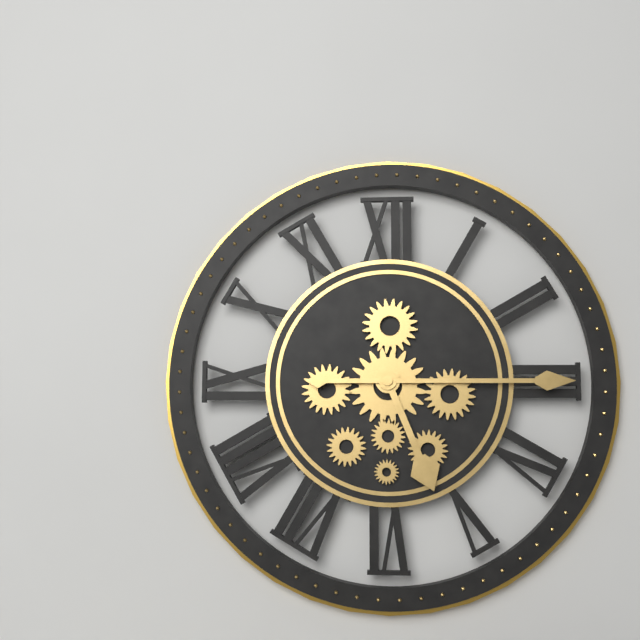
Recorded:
h=5 m=15
